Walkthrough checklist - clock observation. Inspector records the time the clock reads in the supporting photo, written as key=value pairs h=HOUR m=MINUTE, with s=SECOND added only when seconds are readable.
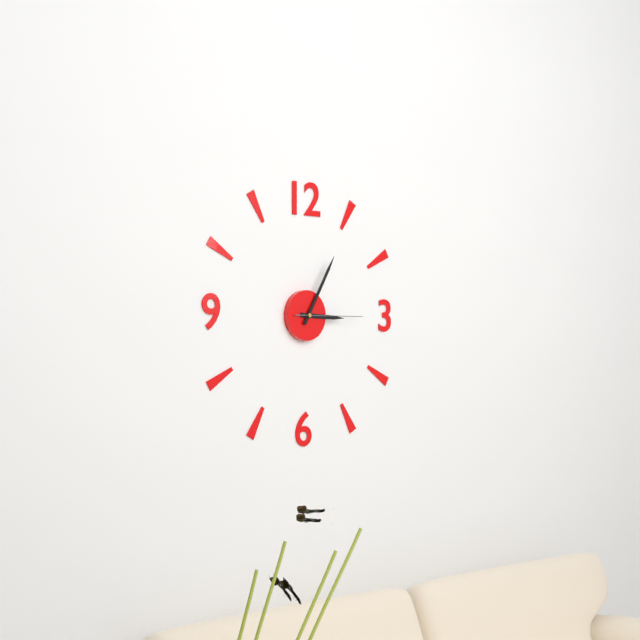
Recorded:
h=3 m=5 s=15
